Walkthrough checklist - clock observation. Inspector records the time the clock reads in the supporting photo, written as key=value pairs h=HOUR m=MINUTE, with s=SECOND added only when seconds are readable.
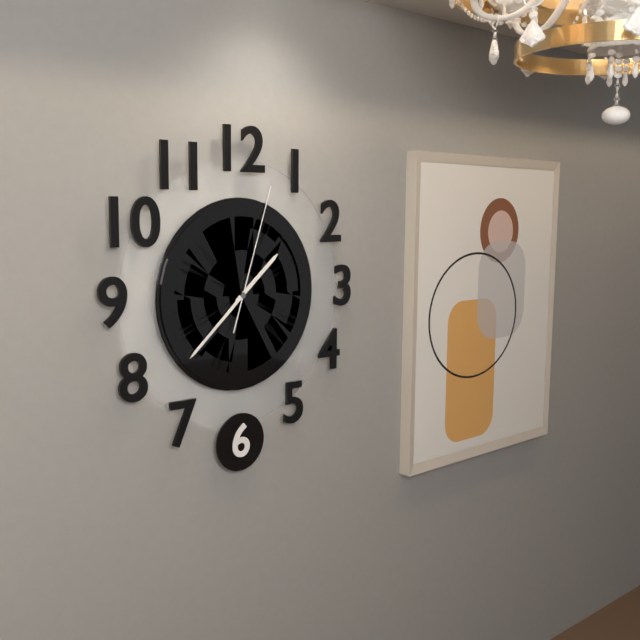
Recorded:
h=1 m=38 s=3
